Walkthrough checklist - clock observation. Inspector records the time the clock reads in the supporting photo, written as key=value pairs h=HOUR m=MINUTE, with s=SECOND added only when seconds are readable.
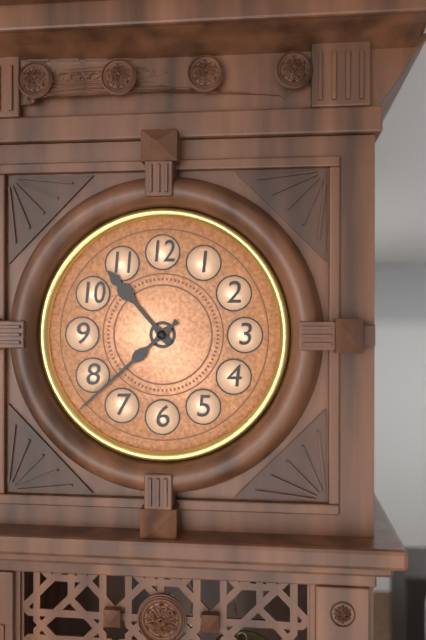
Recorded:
h=10 m=38
